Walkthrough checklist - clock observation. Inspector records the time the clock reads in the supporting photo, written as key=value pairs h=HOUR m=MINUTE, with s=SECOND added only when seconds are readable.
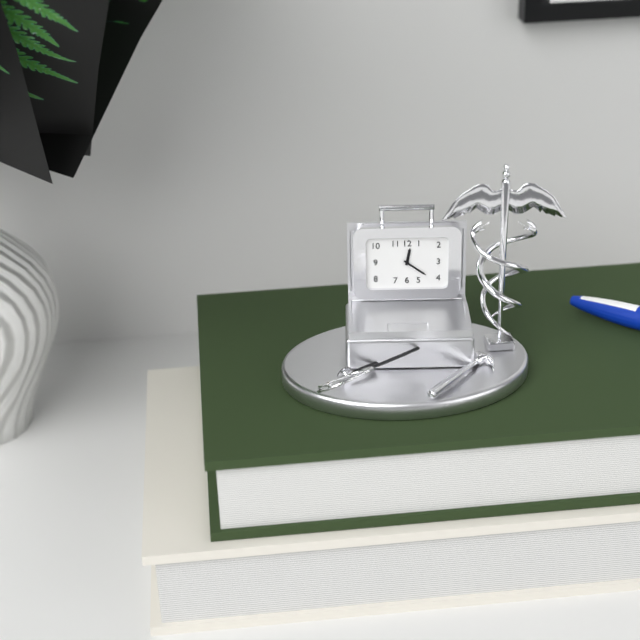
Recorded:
h=12 m=21
